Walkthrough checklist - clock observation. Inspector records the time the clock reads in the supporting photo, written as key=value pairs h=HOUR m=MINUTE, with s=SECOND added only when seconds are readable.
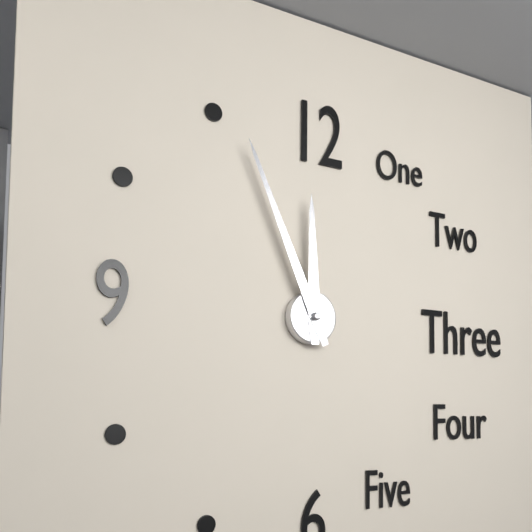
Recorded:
h=11 m=56
